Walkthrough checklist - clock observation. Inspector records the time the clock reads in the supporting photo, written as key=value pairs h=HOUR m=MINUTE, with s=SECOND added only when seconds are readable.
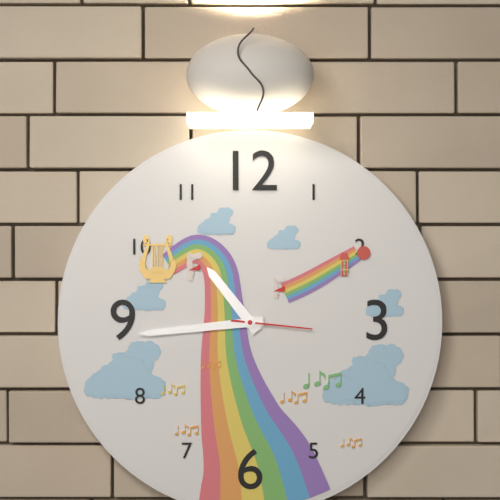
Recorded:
h=10 m=44 s=16
